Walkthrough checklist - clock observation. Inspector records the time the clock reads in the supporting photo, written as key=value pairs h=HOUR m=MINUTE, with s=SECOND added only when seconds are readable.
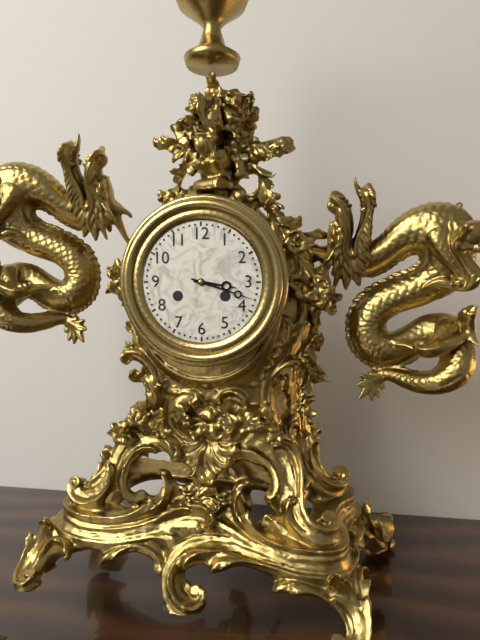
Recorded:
h=3 m=18
